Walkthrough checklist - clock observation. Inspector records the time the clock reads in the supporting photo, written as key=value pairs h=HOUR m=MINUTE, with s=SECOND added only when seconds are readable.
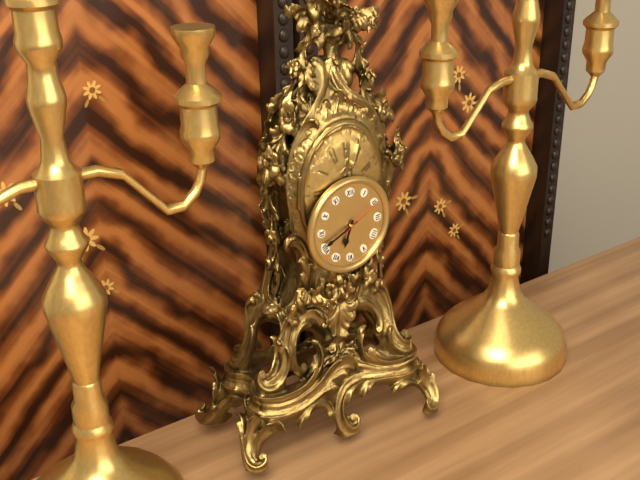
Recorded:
h=6 m=41
